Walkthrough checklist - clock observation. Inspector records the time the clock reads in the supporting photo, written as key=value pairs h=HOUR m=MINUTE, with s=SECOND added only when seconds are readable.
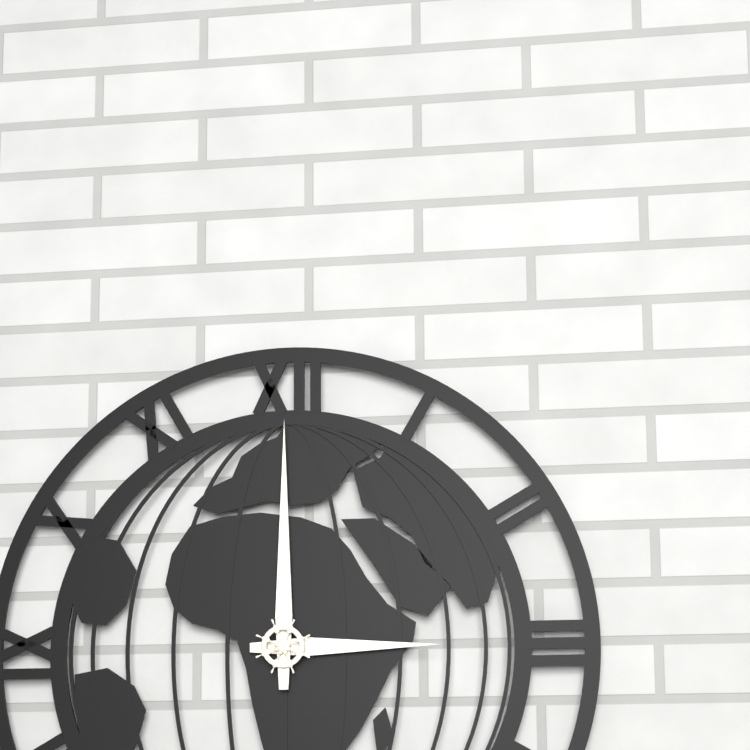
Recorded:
h=3 m=0
